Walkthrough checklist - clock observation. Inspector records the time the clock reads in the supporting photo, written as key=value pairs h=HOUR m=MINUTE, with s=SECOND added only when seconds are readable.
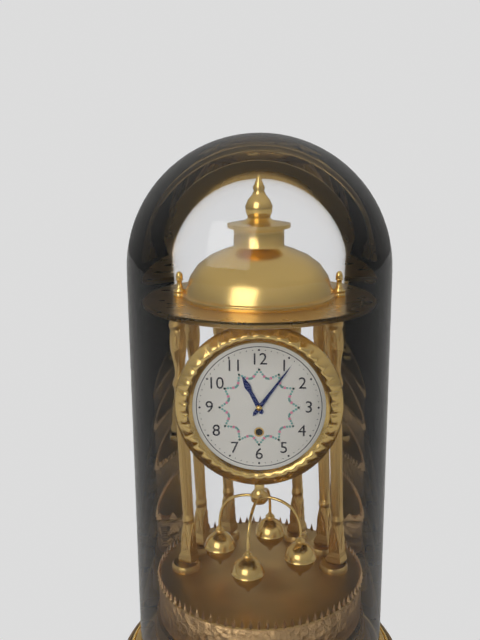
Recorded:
h=11 m=6
